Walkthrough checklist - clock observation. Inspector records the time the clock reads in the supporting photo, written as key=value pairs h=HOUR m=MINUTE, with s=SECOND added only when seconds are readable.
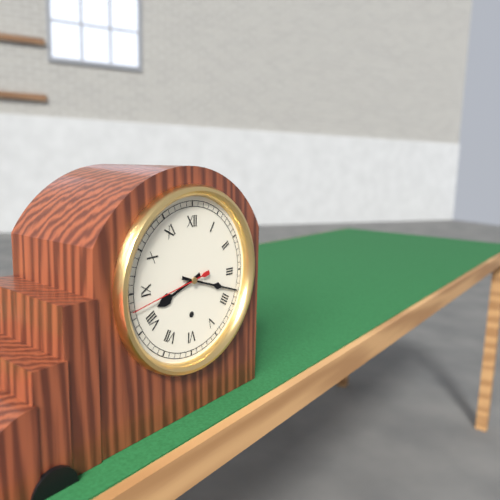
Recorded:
h=8 m=18 s=43
